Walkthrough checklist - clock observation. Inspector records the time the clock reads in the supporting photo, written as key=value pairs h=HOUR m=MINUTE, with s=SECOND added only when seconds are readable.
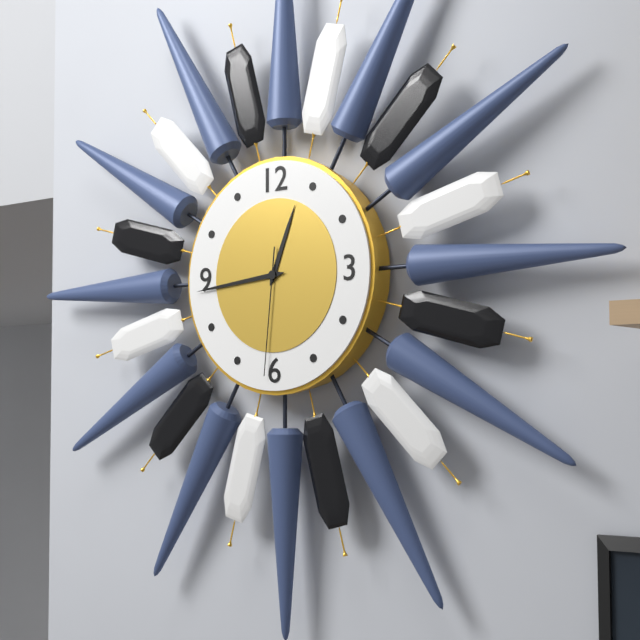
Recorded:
h=12 m=44 s=31
